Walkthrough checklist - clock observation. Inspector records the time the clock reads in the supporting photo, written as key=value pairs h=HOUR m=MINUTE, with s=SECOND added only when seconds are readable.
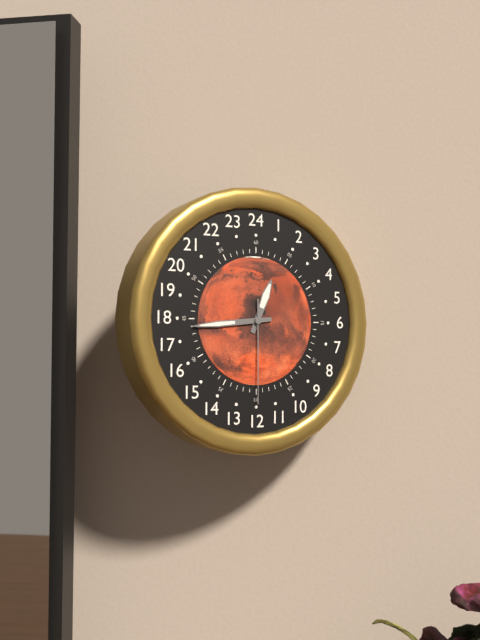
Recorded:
h=12 m=44 s=30
